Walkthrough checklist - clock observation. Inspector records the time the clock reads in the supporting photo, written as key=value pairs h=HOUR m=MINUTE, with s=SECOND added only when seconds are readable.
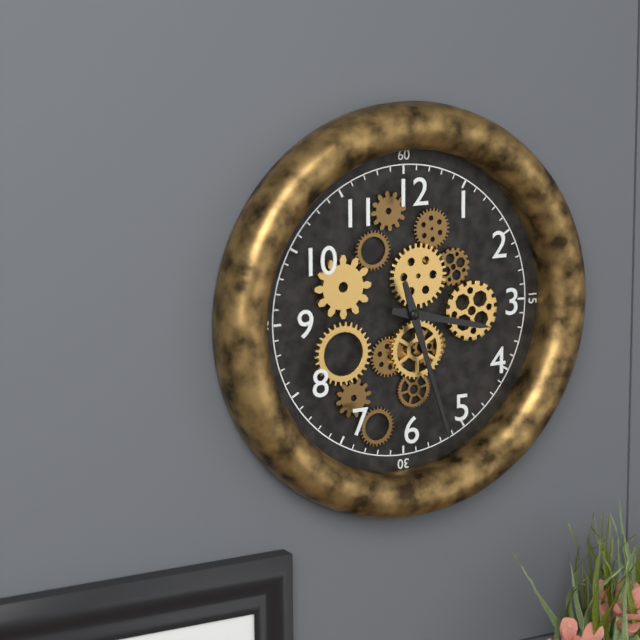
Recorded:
h=3 m=27
